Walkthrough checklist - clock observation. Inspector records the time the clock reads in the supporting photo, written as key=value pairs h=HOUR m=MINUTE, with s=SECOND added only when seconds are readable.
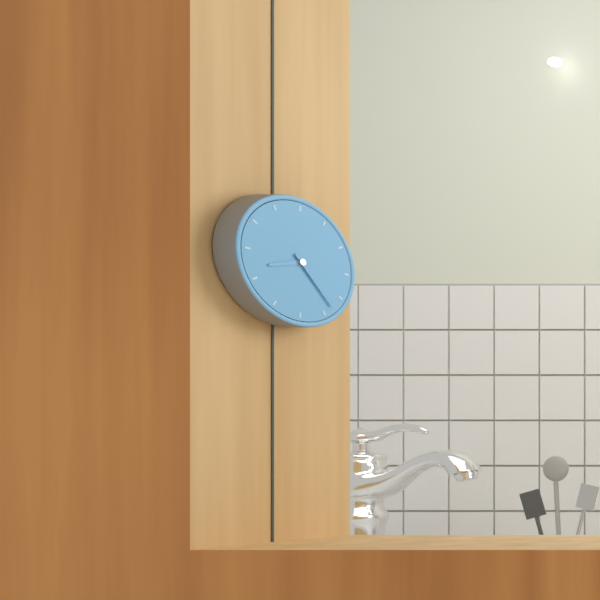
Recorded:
h=8 m=23
